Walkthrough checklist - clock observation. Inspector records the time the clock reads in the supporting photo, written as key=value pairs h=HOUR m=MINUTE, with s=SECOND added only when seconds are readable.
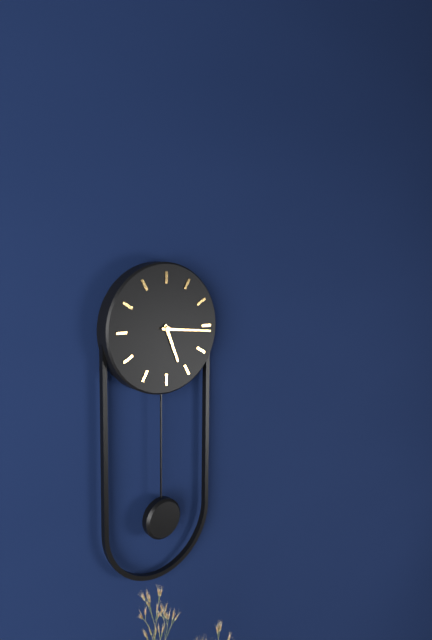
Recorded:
h=5 m=16
